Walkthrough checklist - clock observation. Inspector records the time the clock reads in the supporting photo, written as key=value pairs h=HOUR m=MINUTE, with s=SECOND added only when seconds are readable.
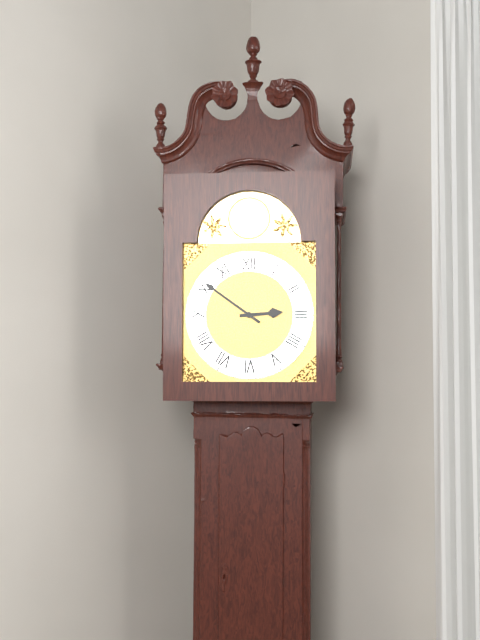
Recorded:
h=2 m=51
